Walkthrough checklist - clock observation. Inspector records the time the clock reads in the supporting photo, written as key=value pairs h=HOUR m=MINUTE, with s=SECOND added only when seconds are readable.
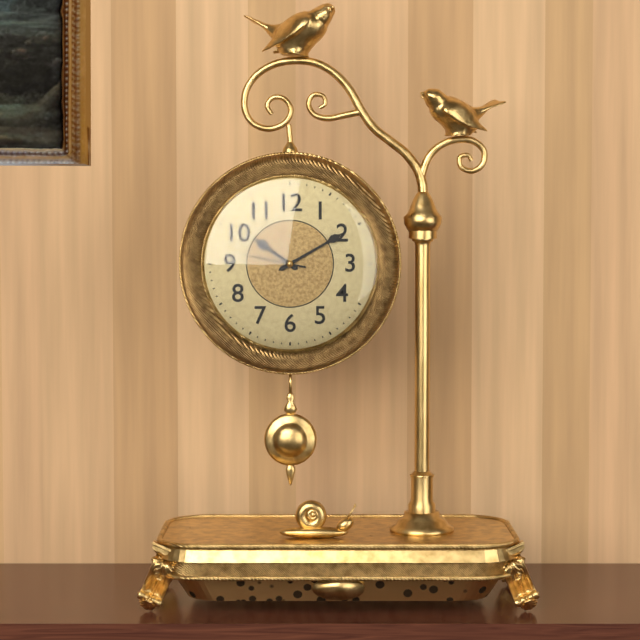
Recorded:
h=10 m=10 s=47
